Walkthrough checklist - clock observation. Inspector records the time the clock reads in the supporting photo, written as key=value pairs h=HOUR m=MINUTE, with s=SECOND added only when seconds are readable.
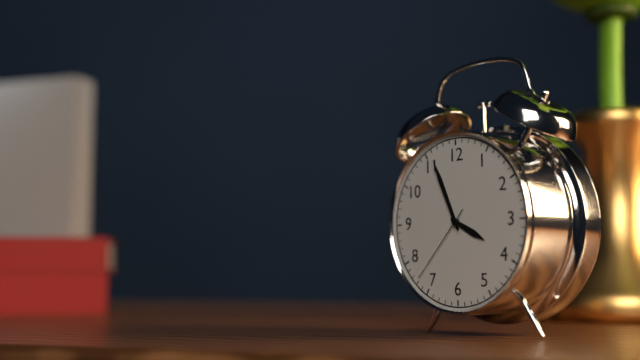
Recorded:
h=3 m=56 s=37
